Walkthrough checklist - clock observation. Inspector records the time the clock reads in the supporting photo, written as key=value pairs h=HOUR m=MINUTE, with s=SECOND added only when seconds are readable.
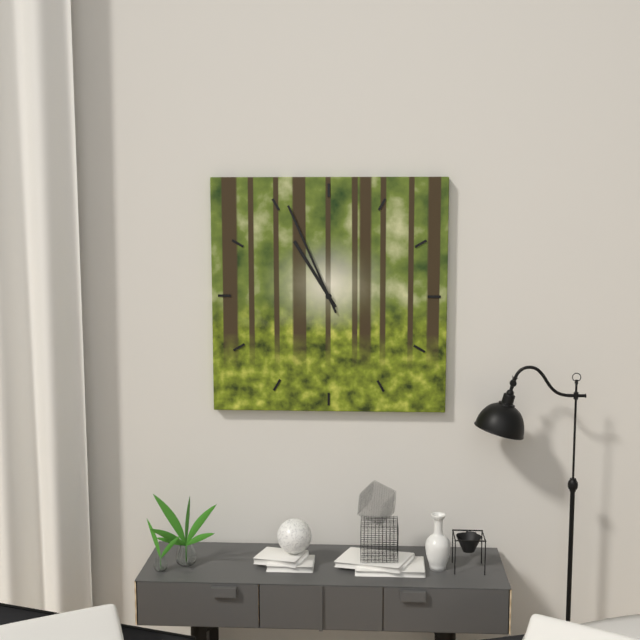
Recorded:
h=10 m=56
